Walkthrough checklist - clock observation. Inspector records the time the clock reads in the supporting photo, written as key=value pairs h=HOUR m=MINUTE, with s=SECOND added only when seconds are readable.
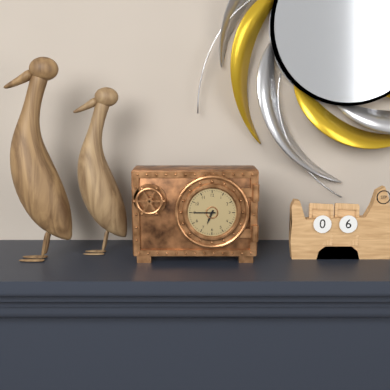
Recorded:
h=6 m=45
